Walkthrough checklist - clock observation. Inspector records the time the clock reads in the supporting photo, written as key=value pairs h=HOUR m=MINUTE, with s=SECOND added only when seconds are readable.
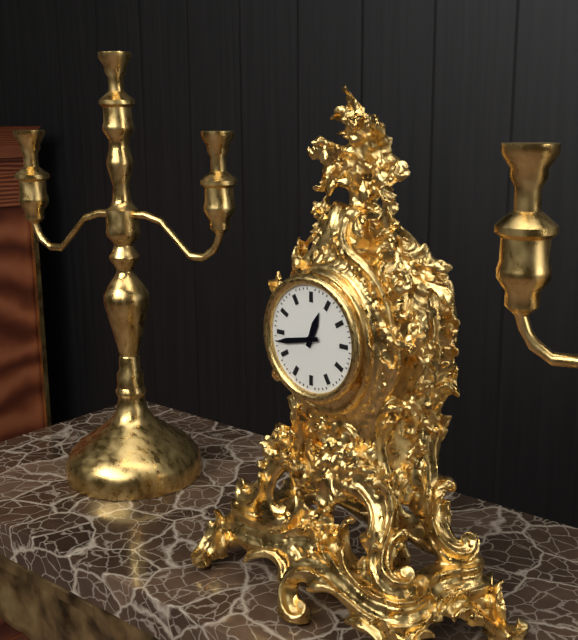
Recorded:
h=12 m=43
